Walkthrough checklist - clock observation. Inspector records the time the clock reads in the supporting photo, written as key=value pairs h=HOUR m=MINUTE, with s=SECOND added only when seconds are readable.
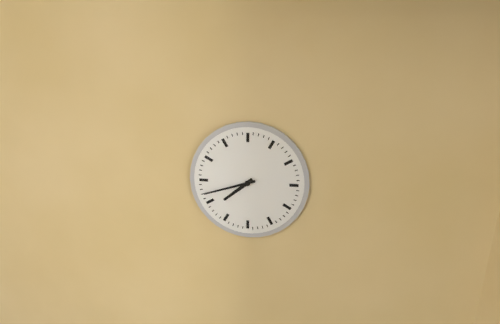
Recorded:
h=7 m=42
